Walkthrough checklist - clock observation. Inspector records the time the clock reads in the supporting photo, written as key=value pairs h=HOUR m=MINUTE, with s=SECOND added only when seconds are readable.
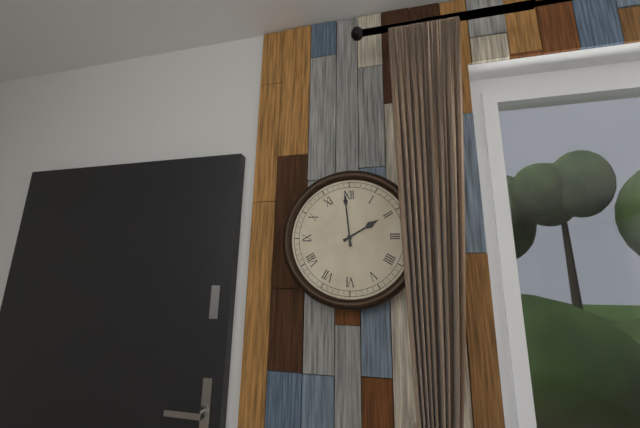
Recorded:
h=1 m=59
